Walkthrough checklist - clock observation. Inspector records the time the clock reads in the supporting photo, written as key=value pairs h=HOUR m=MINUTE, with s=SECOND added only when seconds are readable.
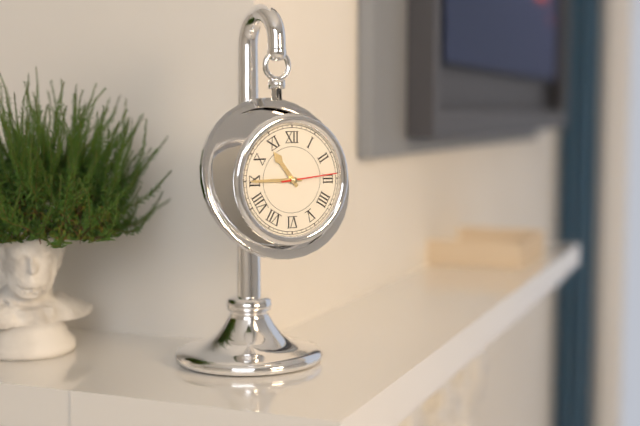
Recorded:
h=10 m=45 s=14
